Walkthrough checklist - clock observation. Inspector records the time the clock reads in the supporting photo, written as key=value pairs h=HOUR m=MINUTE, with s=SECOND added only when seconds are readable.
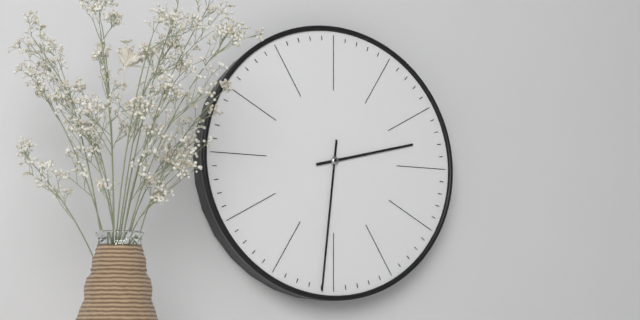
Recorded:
h=2 m=31
